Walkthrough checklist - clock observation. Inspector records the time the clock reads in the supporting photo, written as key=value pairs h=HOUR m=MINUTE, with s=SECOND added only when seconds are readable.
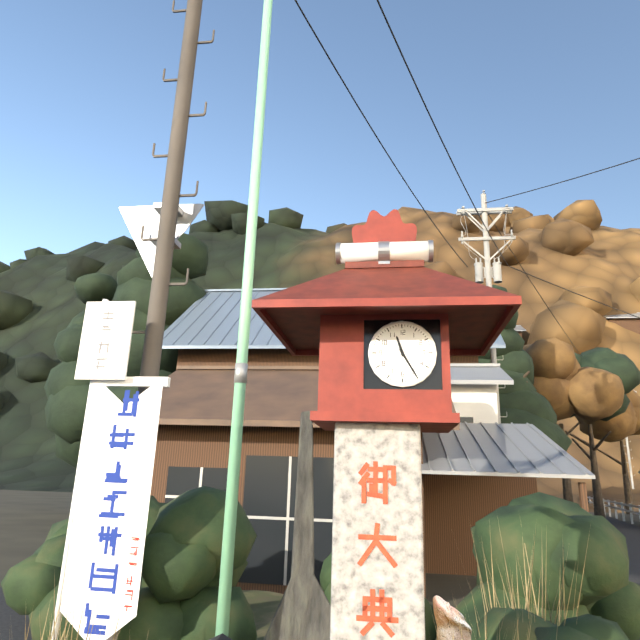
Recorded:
h=11 m=25
